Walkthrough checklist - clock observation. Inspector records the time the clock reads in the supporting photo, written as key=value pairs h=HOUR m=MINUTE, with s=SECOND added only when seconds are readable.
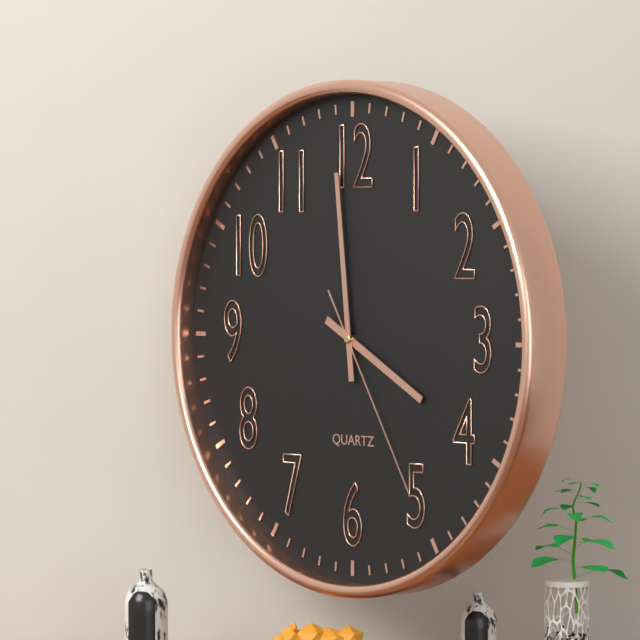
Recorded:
h=3 m=59 s=25
